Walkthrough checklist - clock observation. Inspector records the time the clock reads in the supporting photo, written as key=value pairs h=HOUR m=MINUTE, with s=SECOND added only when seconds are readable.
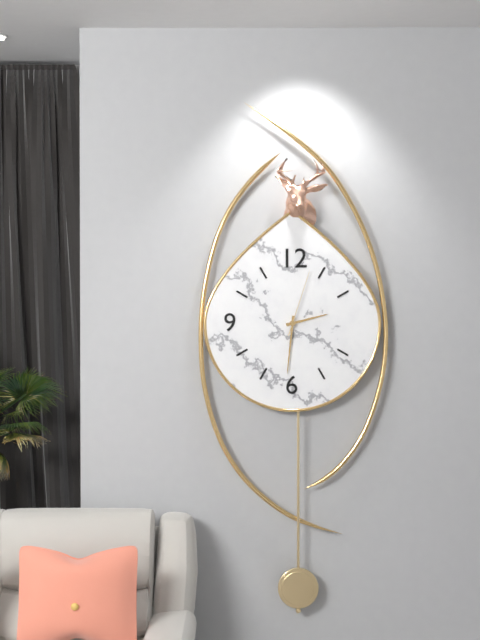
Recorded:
h=2 m=31 s=3
